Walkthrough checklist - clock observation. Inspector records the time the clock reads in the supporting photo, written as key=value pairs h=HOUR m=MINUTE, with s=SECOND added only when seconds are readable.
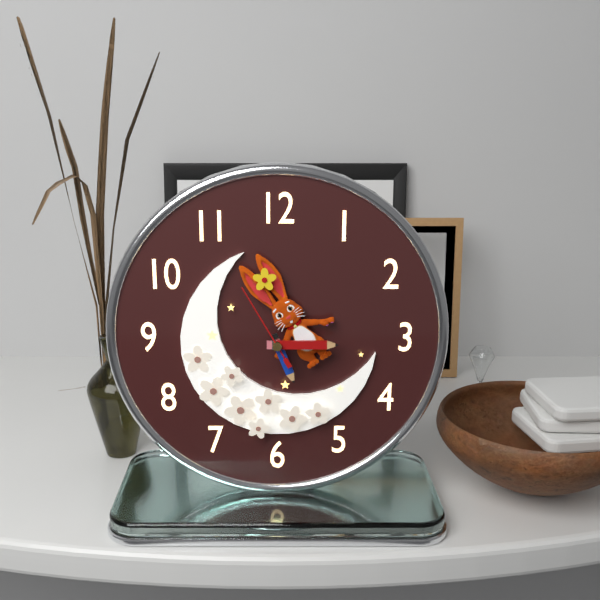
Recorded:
h=5 m=15 s=55
